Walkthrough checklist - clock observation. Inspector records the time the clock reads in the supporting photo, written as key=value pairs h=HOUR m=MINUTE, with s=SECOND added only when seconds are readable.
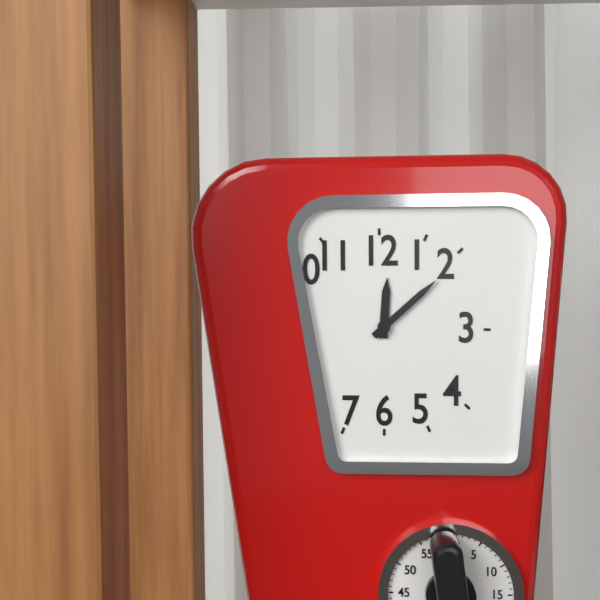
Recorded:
h=12 m=8
